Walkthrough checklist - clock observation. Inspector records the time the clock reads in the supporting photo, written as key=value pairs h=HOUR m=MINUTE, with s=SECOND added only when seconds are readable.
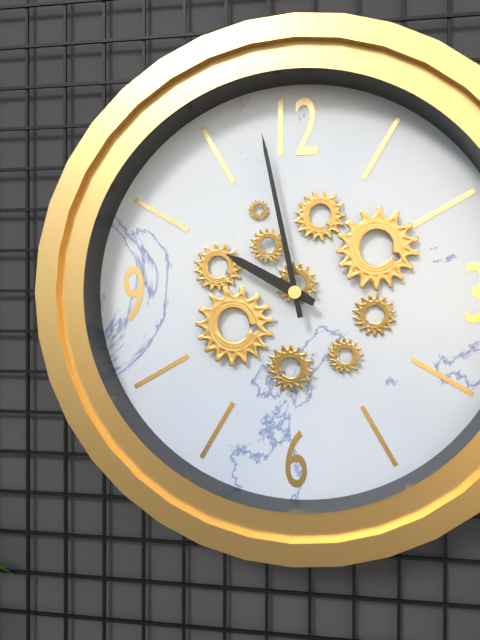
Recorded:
h=9 m=58
